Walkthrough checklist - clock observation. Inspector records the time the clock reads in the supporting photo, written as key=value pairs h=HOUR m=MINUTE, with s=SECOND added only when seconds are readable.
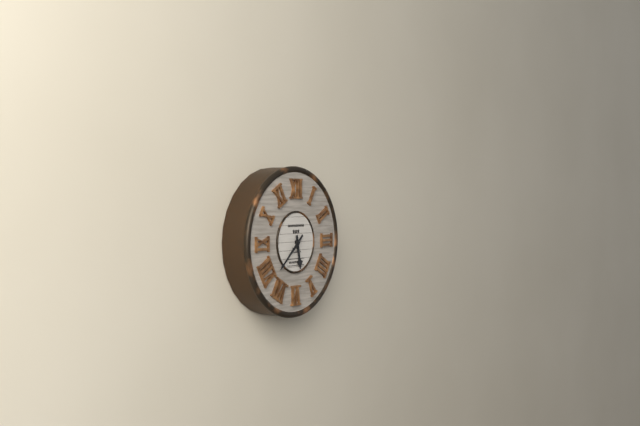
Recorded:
h=5 m=38
